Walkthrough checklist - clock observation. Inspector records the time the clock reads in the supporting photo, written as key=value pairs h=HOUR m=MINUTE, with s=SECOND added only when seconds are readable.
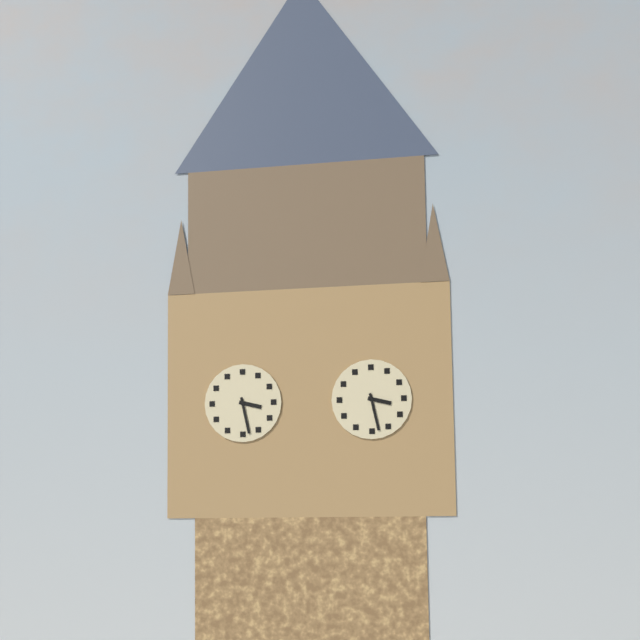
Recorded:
h=3 m=28
